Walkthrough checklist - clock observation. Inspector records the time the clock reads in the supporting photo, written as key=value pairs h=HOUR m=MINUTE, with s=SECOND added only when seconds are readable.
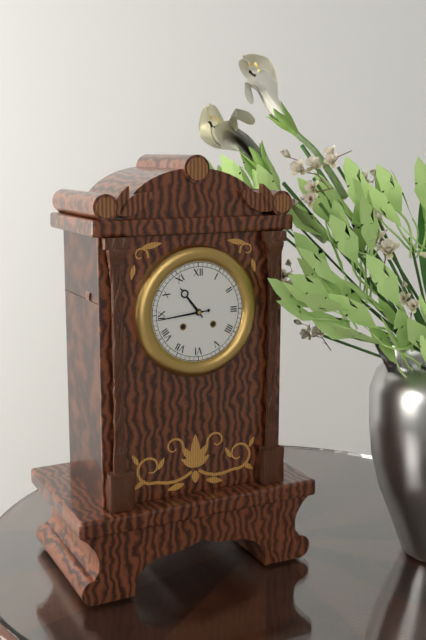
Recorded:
h=10 m=44
